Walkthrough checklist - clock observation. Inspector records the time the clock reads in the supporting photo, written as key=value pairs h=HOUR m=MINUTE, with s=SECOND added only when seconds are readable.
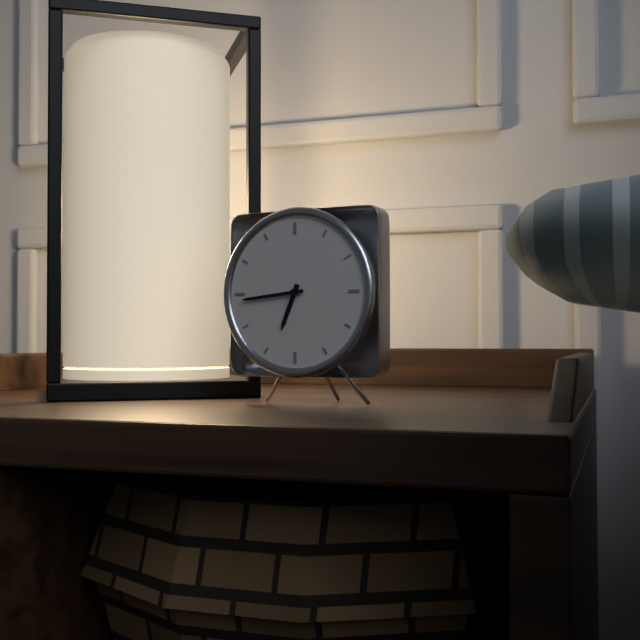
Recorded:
h=6 m=44
